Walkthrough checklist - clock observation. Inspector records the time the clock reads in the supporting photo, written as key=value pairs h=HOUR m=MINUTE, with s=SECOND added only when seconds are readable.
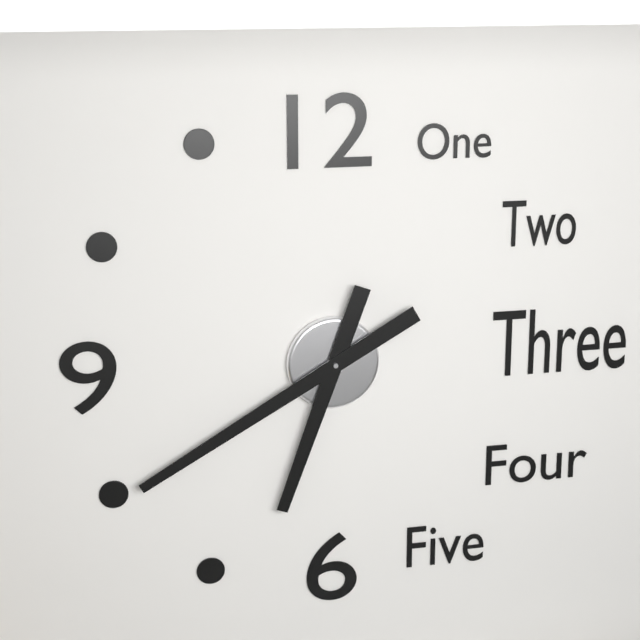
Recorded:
h=6 m=40
